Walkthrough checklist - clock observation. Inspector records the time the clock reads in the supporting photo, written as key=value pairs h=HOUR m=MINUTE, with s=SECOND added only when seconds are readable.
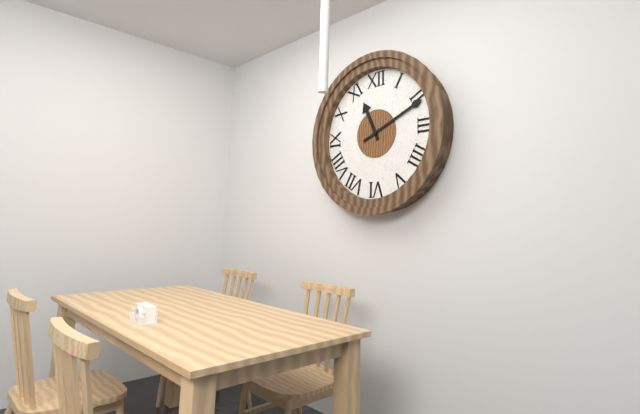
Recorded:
h=11 m=11
